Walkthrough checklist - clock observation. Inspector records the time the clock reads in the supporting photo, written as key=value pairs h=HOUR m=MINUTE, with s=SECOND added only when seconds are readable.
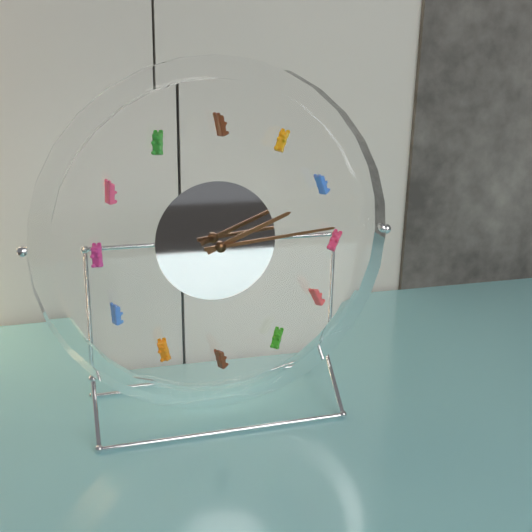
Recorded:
h=2 m=14
